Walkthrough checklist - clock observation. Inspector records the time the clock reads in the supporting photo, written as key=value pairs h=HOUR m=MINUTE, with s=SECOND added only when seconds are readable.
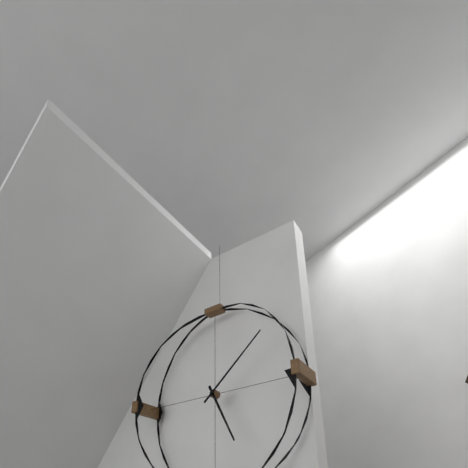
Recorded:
h=5 m=8
